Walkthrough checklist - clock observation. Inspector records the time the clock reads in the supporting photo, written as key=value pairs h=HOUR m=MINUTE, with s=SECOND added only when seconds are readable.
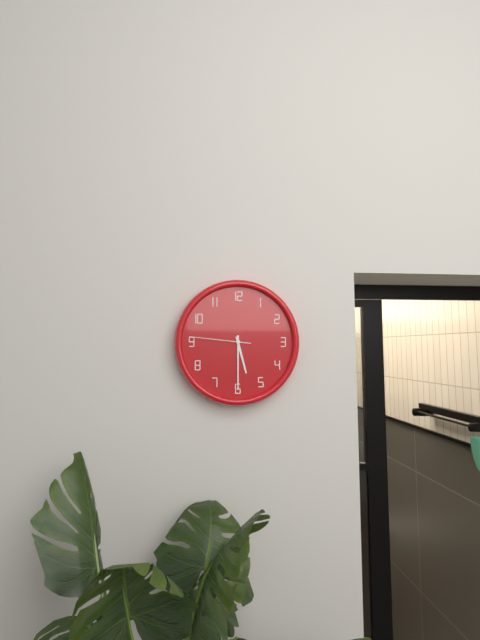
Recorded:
h=5 m=30 s=46
